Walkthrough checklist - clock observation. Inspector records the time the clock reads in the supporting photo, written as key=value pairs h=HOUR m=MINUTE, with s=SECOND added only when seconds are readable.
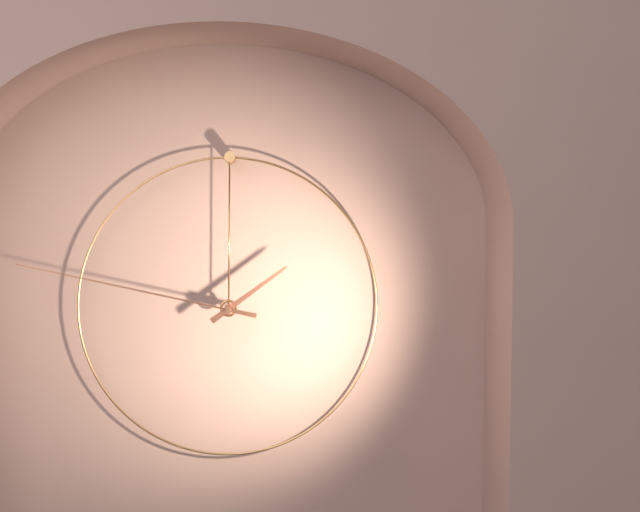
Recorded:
h=1 m=47
